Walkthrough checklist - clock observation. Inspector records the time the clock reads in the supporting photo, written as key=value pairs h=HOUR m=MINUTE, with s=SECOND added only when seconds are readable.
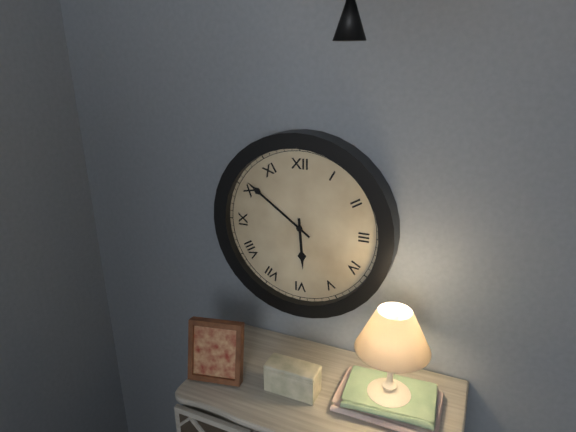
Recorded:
h=5 m=51
